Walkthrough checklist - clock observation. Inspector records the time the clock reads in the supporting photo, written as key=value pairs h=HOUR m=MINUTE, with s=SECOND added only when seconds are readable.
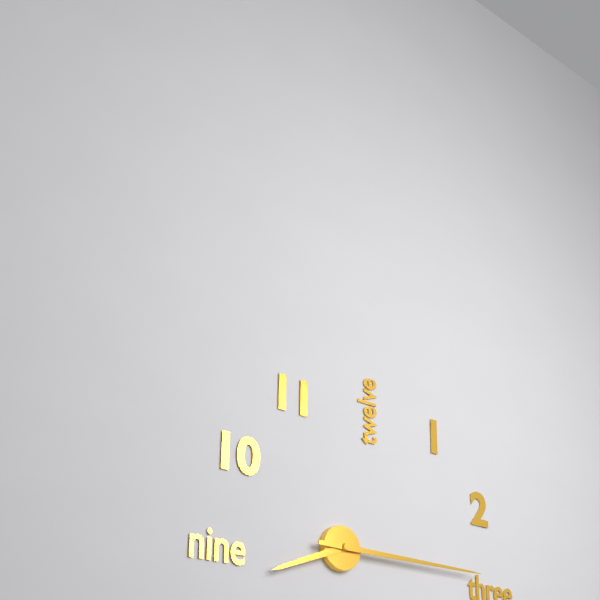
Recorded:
h=8 m=15
